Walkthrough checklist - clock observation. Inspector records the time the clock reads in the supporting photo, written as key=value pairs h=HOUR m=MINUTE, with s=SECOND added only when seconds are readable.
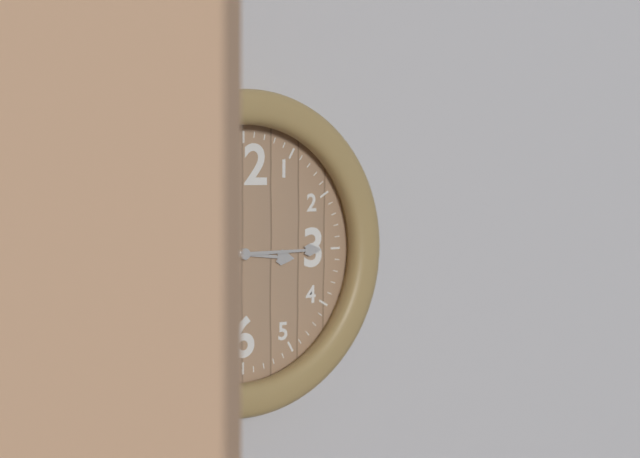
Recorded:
h=3 m=15
